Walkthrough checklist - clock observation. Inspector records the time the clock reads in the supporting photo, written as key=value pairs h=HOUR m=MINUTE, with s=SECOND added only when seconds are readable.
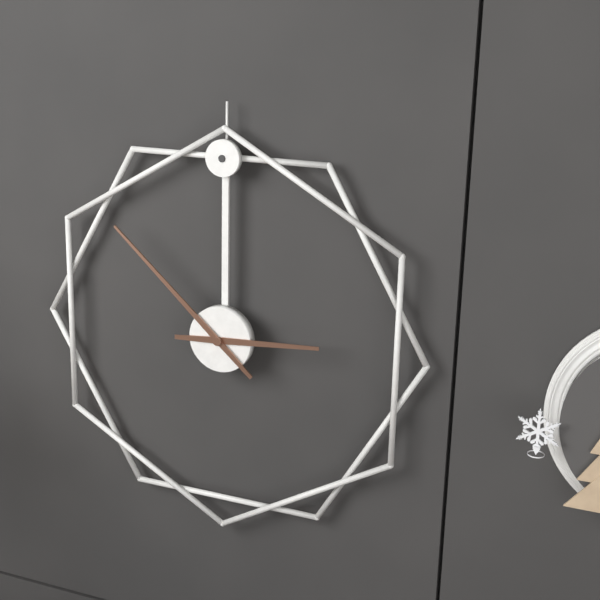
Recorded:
h=2 m=52
